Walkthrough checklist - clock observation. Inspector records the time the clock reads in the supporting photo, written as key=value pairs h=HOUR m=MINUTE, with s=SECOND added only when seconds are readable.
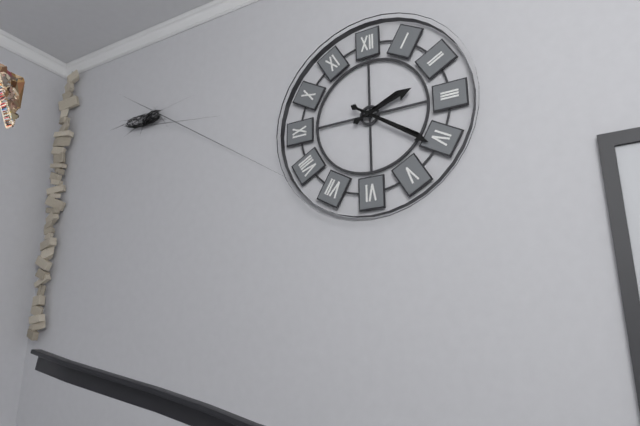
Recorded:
h=2 m=21
